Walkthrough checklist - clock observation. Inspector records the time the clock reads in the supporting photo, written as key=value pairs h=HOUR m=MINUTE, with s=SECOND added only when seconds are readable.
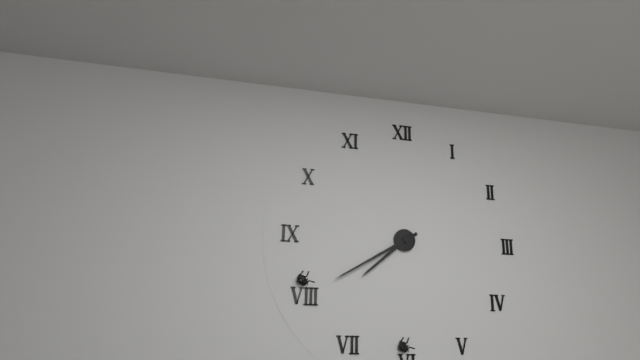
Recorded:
h=7 m=40
